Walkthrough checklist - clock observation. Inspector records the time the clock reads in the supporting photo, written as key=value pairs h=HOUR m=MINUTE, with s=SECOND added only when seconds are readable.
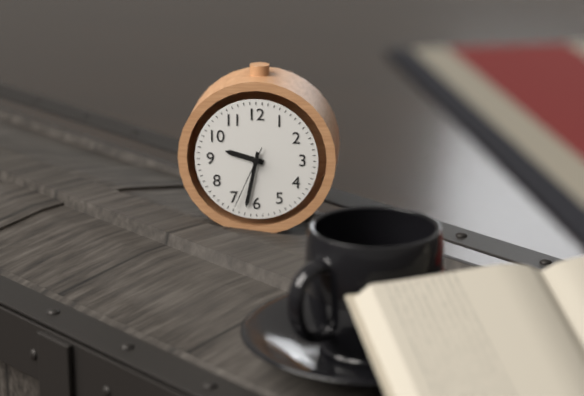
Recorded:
h=9 m=32 s=34
